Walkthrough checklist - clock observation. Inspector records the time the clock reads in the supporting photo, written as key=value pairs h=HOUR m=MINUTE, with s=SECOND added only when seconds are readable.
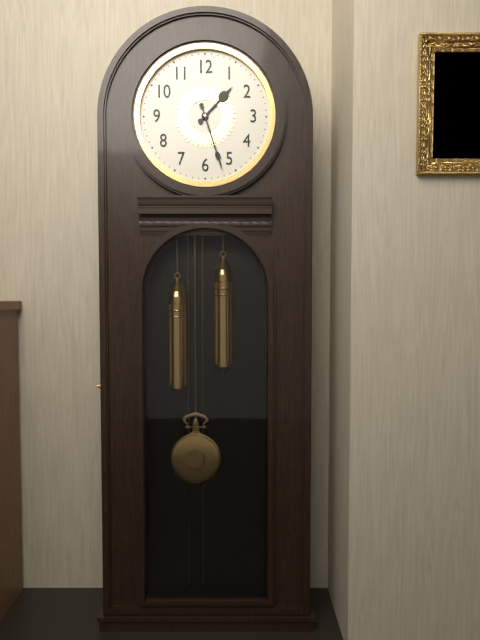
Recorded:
h=1 m=27
